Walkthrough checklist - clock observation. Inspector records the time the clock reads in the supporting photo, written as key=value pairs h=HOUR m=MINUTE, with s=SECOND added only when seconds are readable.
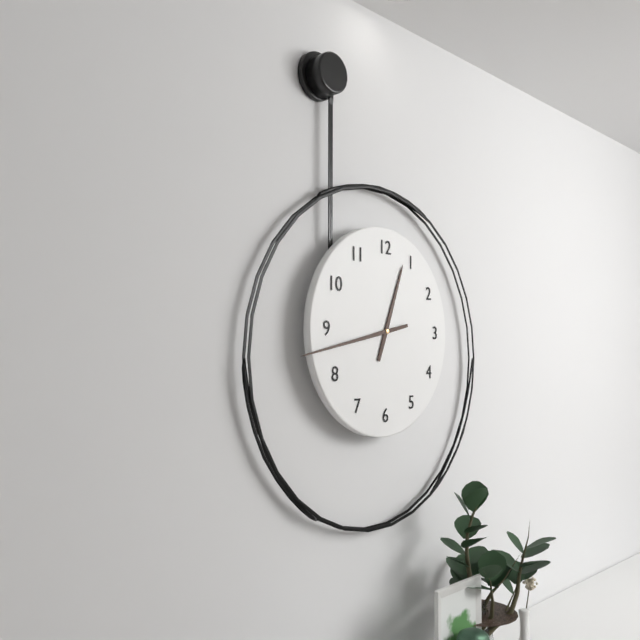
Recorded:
h=12 m=43
